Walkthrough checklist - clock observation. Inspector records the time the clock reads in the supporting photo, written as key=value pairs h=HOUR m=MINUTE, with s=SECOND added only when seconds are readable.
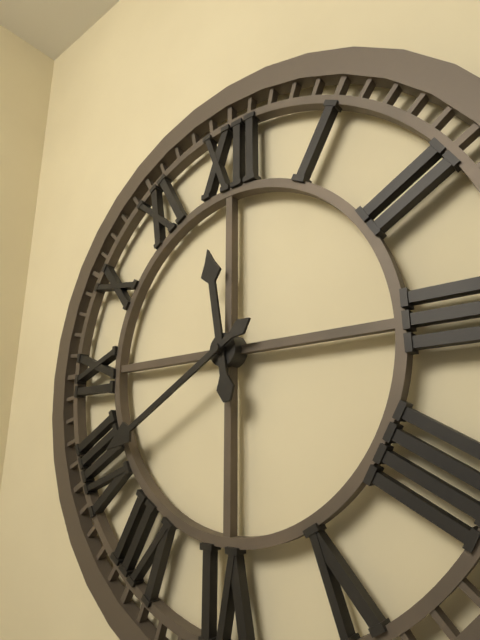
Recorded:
h=11 m=40
